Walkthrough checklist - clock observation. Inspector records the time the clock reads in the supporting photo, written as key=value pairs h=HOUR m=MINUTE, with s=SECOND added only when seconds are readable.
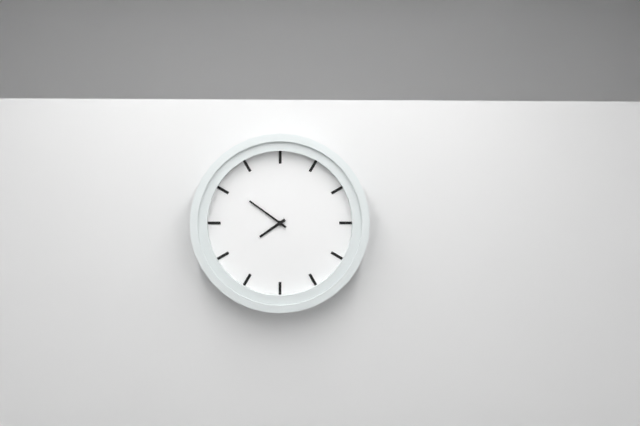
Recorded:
h=7 m=51
